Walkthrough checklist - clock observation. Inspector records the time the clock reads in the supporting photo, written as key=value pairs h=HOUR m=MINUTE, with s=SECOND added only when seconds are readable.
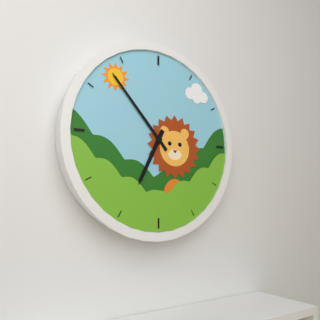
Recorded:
h=6 m=53
